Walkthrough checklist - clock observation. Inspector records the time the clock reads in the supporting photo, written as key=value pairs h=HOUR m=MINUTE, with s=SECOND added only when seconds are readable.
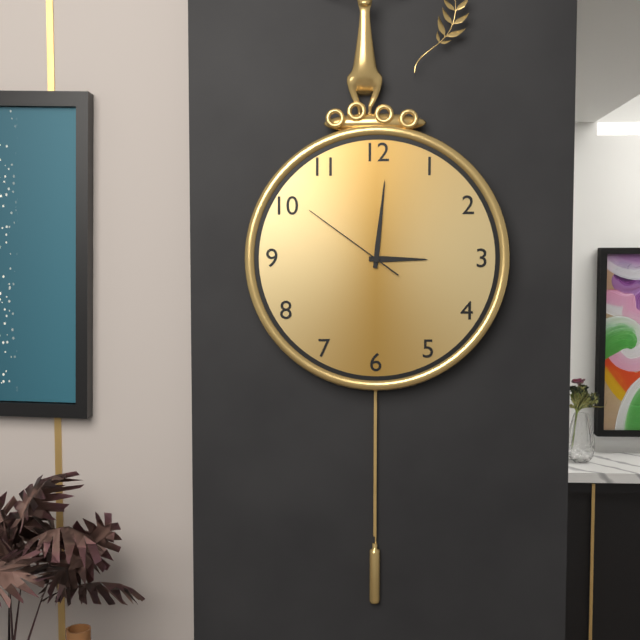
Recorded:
h=3 m=1 s=51
